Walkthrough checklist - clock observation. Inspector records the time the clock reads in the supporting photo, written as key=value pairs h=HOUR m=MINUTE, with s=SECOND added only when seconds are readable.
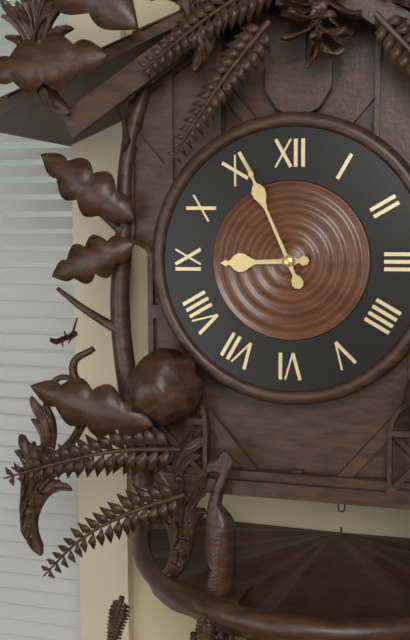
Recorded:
h=8 m=56
